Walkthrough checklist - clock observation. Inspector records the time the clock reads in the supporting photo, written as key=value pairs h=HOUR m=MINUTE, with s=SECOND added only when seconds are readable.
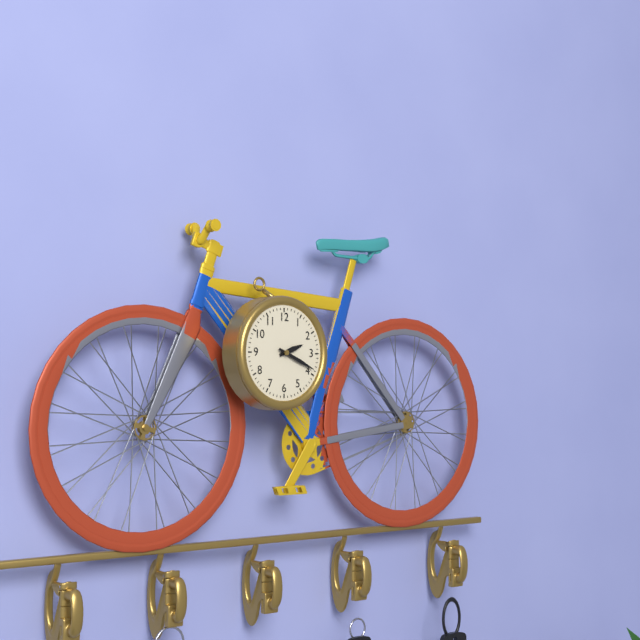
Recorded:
h=2 m=19
